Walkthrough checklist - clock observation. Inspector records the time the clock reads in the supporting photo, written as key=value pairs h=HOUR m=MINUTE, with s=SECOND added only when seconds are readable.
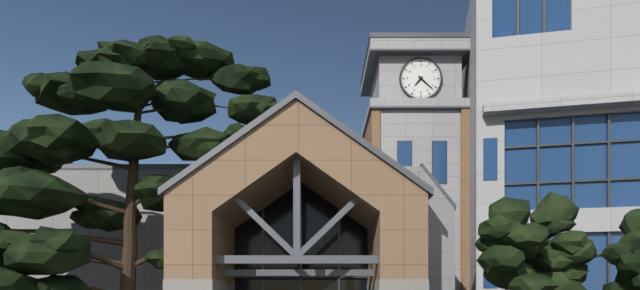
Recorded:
h=7 m=22
